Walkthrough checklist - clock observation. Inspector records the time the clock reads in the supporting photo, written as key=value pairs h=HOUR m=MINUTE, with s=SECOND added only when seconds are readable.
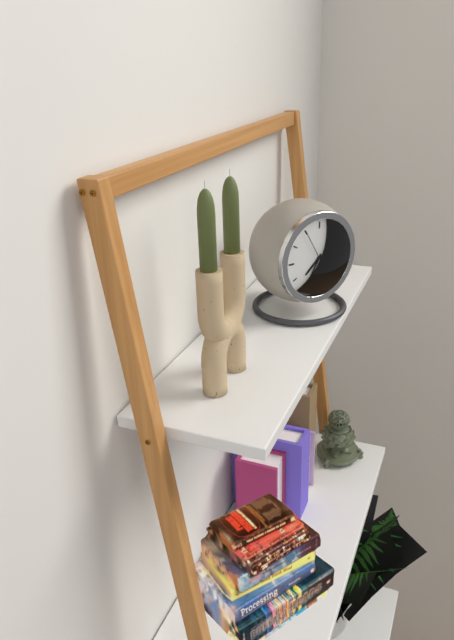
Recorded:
h=7 m=35
